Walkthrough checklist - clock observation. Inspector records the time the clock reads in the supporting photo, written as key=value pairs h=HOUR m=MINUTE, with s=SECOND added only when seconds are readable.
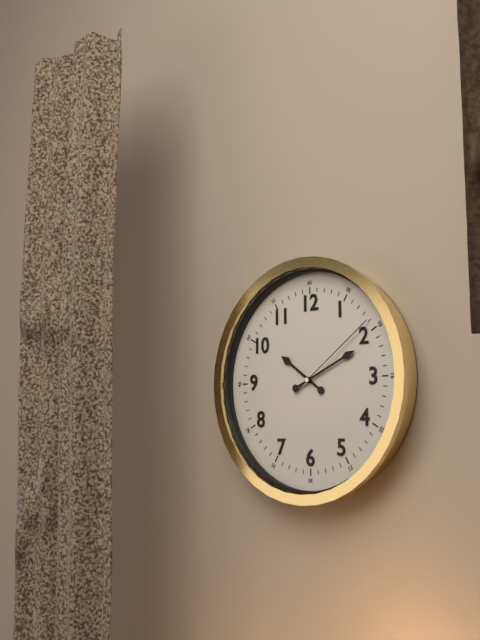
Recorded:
h=10 m=11 s=9
